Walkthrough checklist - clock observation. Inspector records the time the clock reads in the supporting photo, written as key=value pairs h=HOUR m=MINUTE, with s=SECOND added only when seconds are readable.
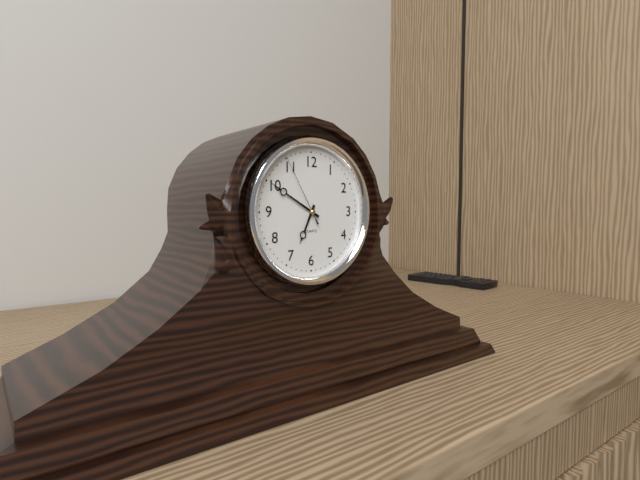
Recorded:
h=6 m=50 s=55
